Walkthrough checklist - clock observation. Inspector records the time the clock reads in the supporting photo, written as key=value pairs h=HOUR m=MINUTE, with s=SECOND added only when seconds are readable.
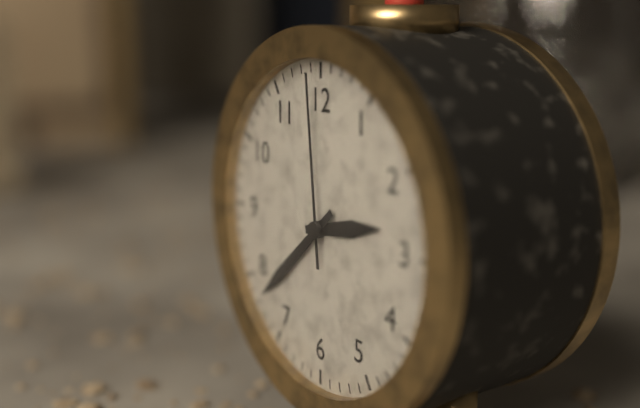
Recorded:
h=2 m=38 s=59
